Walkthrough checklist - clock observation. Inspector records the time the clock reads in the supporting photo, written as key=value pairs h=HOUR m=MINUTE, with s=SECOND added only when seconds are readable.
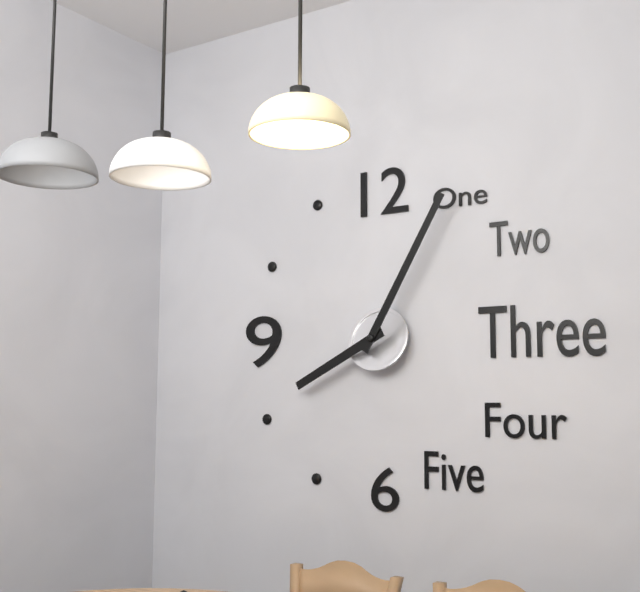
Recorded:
h=8 m=5
